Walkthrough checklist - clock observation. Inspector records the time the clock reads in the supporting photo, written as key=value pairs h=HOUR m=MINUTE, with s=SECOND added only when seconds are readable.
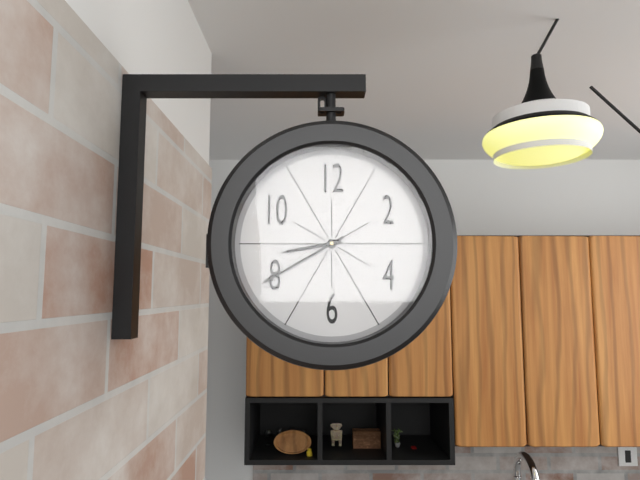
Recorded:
h=8 m=40
